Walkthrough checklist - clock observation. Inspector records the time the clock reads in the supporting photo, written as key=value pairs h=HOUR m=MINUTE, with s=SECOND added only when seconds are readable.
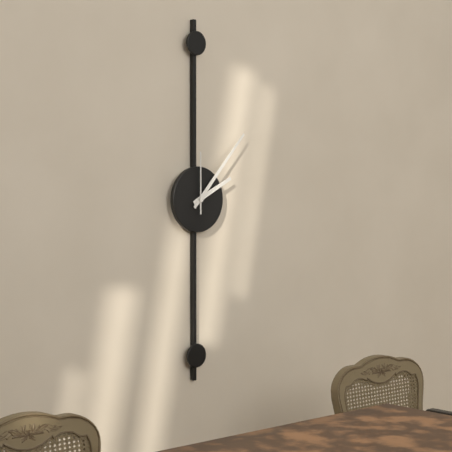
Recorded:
h=2 m=7 s=0
